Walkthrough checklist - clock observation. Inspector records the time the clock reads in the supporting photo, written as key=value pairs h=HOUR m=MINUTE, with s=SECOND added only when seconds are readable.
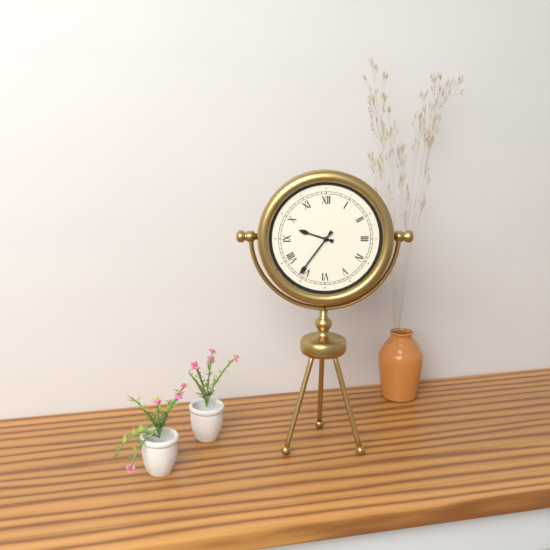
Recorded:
h=9 m=36
